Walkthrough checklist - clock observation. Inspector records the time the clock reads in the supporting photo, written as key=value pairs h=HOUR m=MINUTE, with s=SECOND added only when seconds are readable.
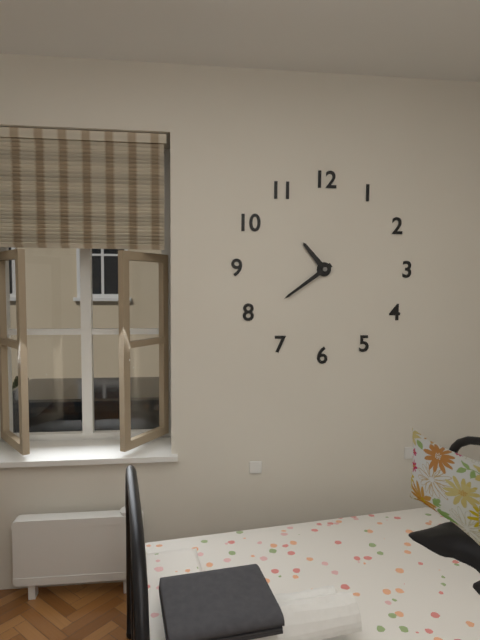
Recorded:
h=10 m=39
